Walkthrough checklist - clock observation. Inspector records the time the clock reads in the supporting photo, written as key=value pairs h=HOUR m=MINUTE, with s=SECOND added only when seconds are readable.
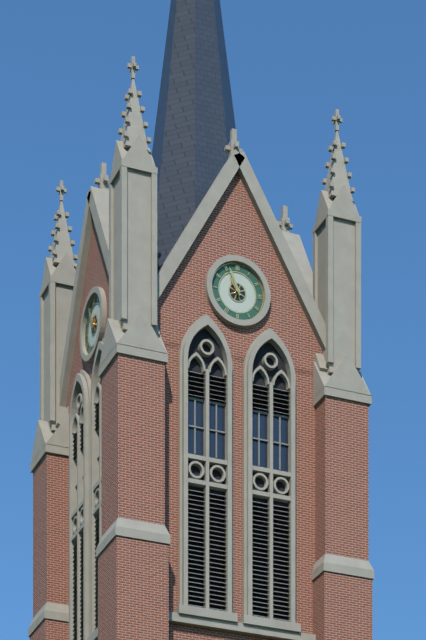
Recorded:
h=10 m=56
